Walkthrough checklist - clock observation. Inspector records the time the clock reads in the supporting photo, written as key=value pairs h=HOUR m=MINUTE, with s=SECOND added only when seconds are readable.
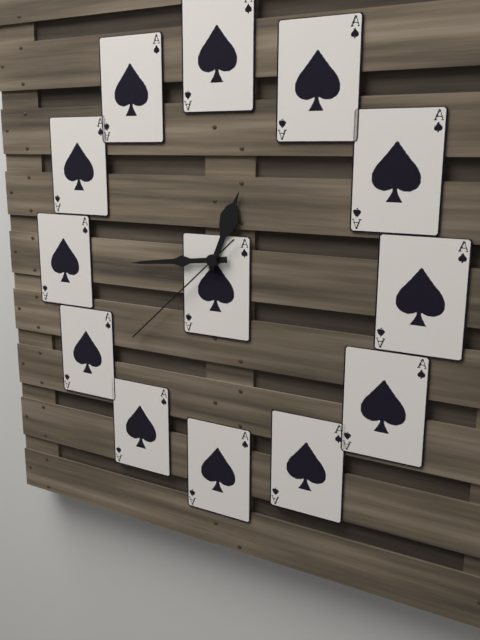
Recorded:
h=12 m=44 s=38
